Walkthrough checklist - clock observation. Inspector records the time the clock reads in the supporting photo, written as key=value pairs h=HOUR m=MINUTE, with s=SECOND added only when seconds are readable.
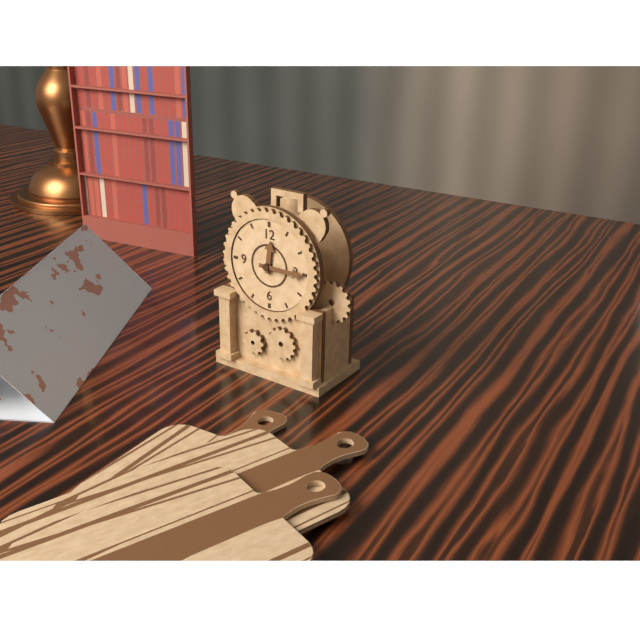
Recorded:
h=12 m=15
